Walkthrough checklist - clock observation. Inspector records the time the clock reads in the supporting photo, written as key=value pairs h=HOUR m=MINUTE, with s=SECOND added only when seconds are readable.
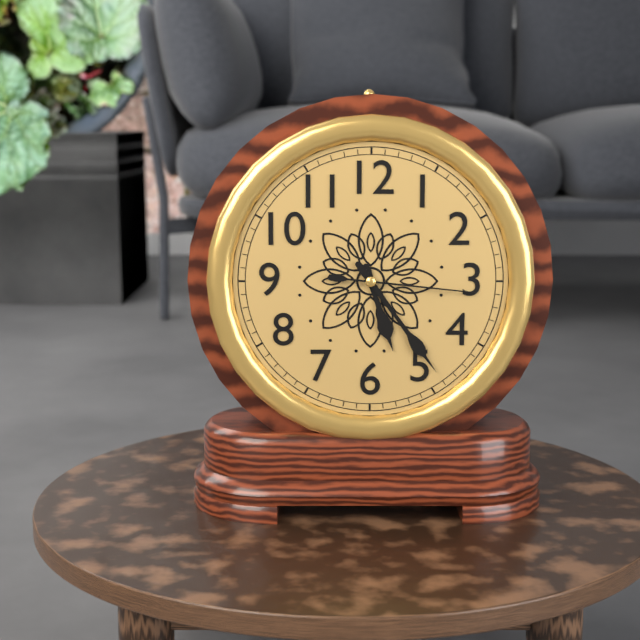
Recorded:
h=5 m=24 s=16
